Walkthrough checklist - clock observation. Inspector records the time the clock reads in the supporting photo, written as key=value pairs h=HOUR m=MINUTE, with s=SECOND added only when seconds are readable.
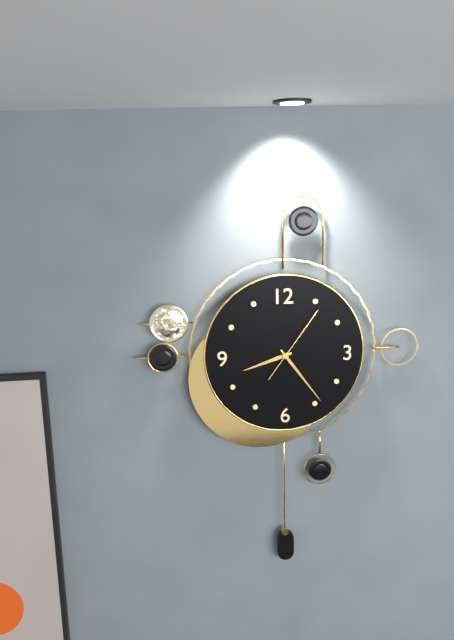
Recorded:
h=8 m=24 s=6
